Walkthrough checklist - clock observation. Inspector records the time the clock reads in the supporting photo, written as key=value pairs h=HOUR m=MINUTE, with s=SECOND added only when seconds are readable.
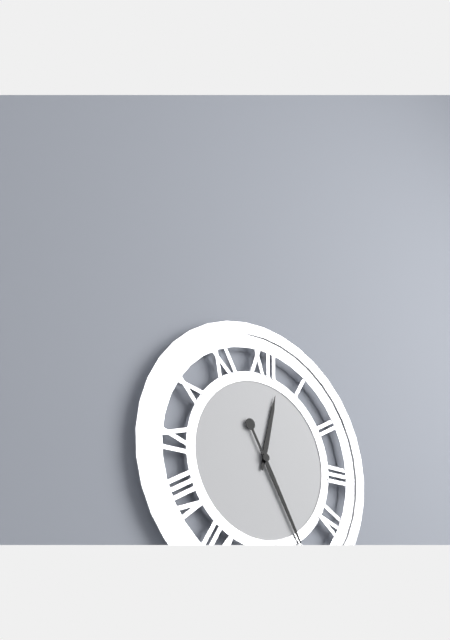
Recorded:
h=12 m=25
